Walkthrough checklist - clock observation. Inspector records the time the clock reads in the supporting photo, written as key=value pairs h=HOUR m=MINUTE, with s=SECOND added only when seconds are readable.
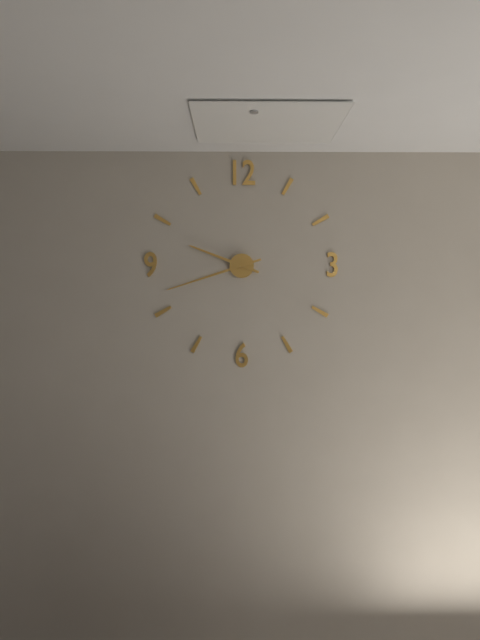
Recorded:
h=9 m=42
